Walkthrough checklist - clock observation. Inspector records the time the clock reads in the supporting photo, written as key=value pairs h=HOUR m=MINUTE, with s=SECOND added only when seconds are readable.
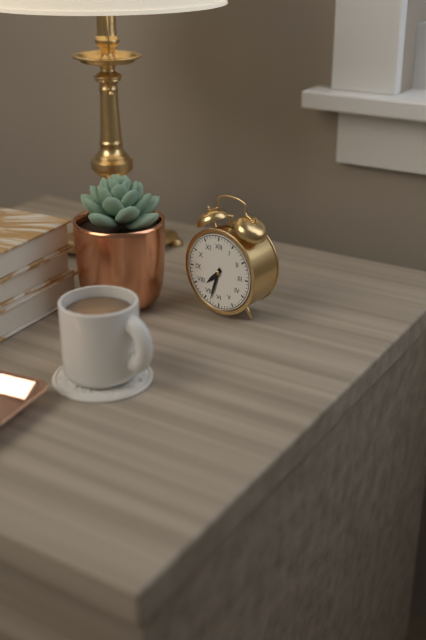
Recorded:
h=7 m=33
